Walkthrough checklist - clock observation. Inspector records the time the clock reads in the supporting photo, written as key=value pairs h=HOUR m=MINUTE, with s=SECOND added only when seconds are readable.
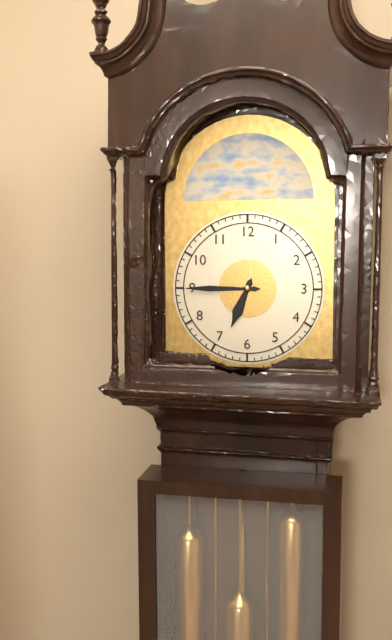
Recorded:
h=6 m=45
